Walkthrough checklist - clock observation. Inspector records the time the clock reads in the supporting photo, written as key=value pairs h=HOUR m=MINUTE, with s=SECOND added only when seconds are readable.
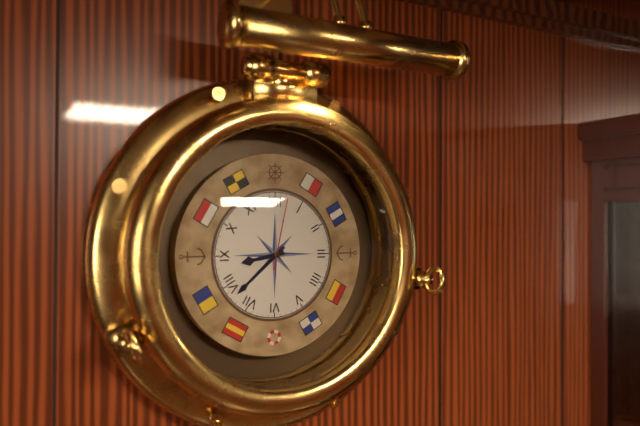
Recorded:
h=8 m=38 s=2
